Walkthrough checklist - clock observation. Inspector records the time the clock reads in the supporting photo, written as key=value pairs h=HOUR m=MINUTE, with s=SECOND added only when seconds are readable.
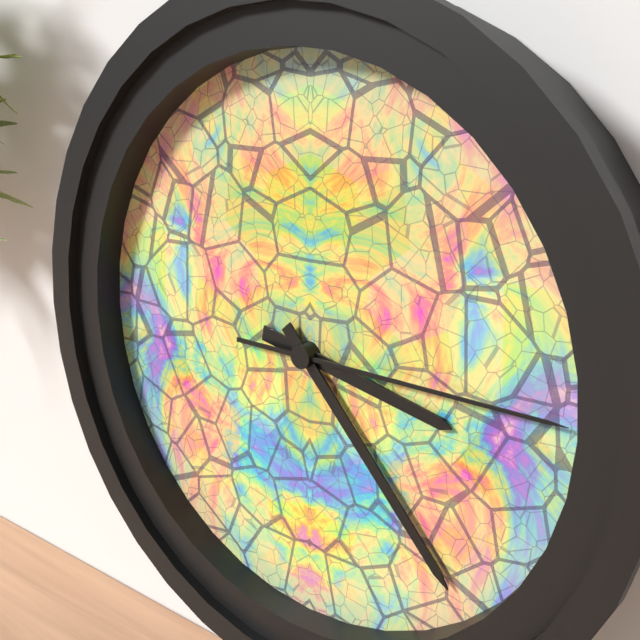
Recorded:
h=3 m=23 s=15
